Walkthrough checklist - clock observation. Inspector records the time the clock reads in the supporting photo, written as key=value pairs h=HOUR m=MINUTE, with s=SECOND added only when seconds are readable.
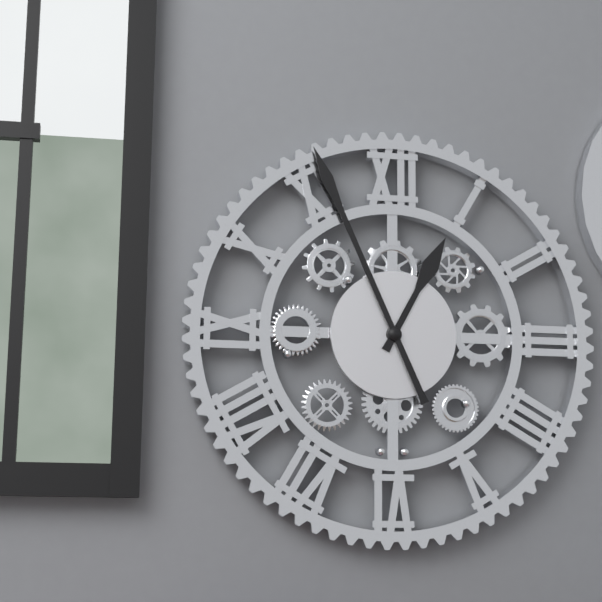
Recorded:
h=12 m=56
